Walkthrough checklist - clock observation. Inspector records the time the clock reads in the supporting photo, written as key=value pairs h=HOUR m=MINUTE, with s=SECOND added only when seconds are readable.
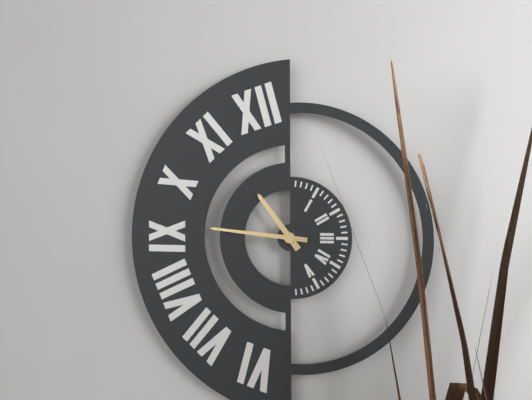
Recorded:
h=10 m=46
